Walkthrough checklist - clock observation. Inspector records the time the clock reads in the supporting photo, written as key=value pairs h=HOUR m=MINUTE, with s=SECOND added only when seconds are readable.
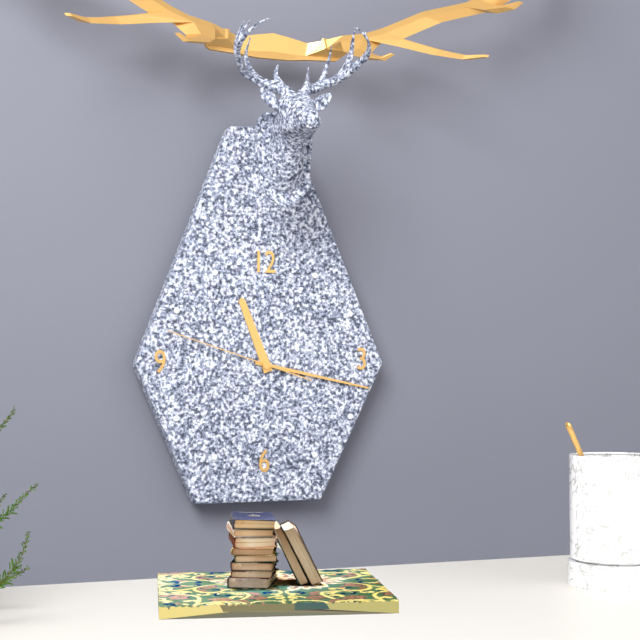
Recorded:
h=11 m=17 s=48
